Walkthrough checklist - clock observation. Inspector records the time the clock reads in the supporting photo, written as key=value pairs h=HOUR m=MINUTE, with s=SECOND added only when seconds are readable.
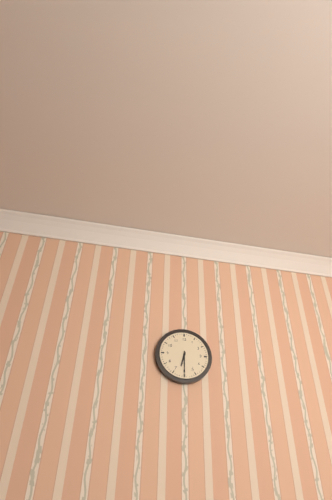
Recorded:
h=6 m=30
